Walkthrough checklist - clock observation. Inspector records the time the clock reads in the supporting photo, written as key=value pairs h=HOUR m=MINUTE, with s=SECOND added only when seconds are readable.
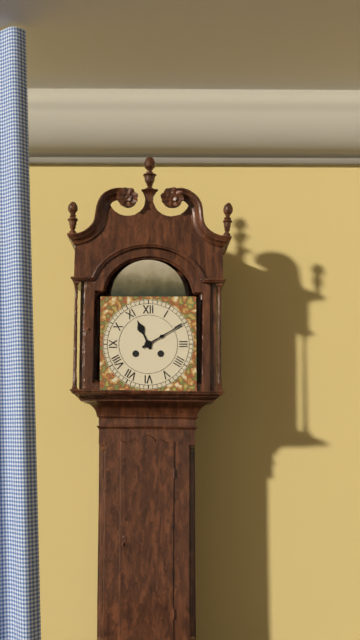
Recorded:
h=11 m=10
